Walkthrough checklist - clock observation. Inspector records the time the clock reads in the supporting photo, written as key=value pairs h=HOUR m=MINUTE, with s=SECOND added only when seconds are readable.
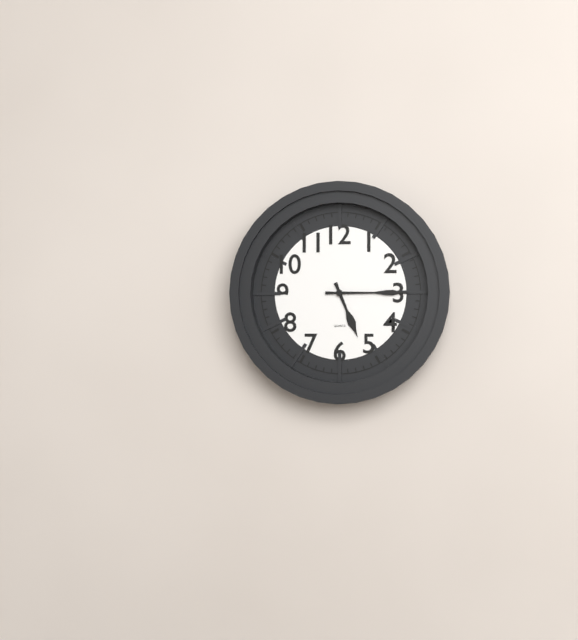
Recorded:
h=5 m=15
